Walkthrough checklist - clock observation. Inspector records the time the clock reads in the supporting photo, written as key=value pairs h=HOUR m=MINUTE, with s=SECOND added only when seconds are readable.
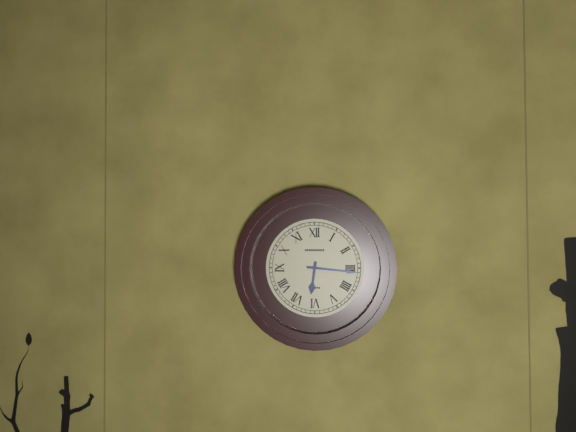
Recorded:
h=6 m=16
